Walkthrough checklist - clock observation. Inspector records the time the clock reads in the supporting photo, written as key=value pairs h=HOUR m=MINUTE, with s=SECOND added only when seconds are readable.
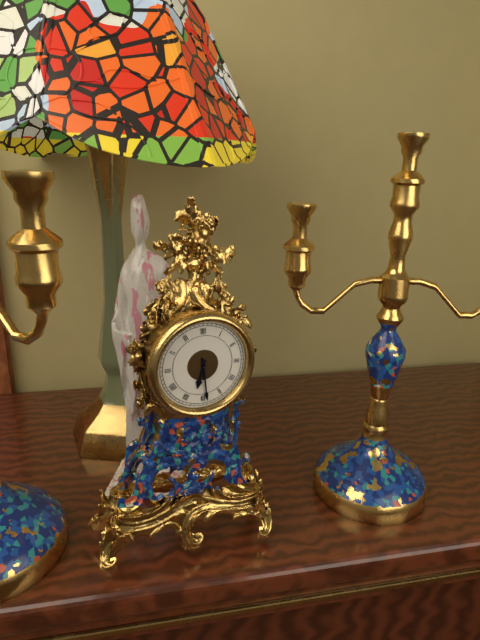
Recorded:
h=6 m=29
